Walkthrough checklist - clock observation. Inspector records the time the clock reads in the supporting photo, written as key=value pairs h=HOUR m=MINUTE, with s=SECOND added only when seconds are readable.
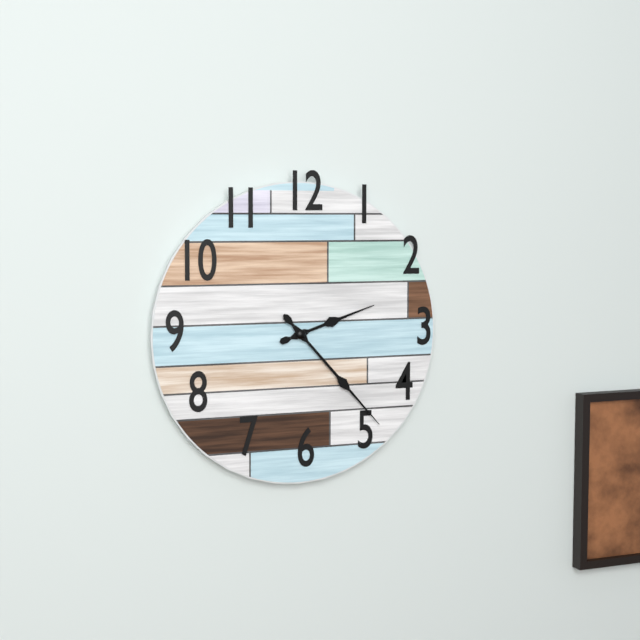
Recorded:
h=2 m=23
